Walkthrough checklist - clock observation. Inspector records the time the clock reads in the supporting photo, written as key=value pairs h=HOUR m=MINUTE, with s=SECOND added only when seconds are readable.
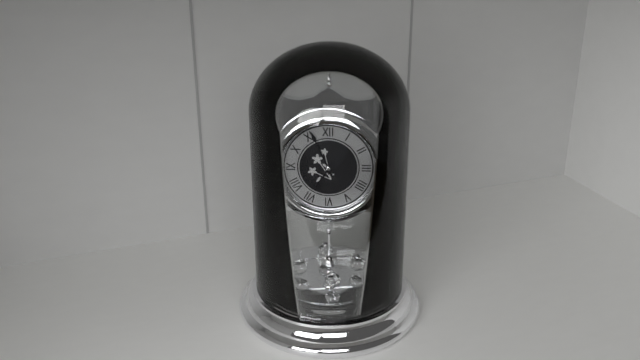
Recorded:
h=6 m=56
